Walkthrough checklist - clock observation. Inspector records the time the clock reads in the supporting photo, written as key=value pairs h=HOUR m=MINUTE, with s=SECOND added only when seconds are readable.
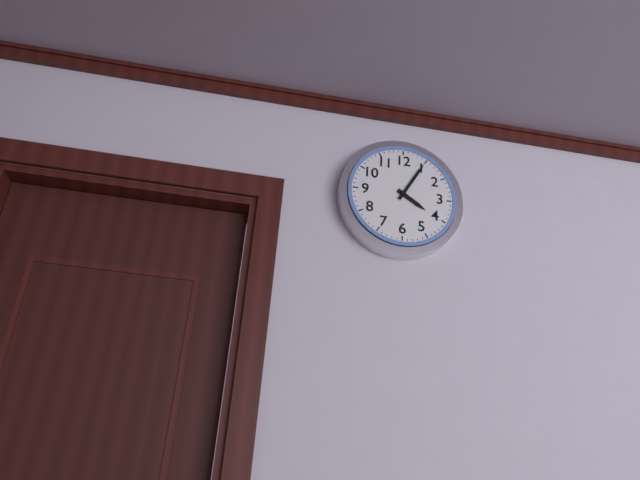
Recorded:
h=4 m=5
